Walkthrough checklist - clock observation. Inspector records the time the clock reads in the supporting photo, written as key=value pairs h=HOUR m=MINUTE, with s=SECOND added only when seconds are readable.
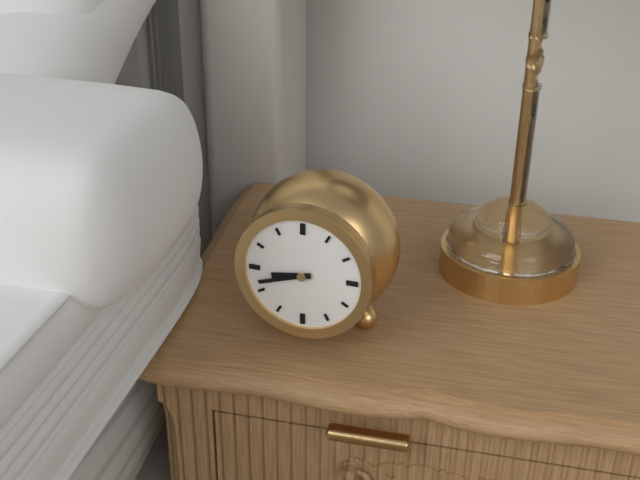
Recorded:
h=8 m=42
